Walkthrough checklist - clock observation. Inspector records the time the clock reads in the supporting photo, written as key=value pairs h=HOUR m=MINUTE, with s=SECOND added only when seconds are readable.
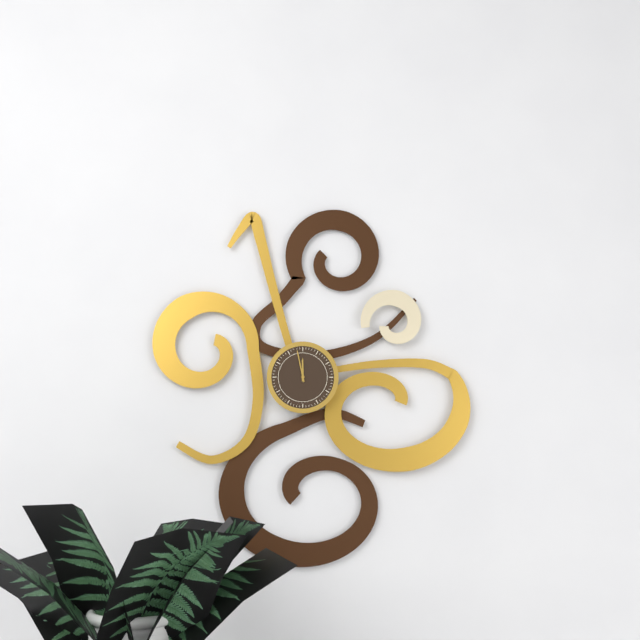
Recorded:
h=11 m=58
